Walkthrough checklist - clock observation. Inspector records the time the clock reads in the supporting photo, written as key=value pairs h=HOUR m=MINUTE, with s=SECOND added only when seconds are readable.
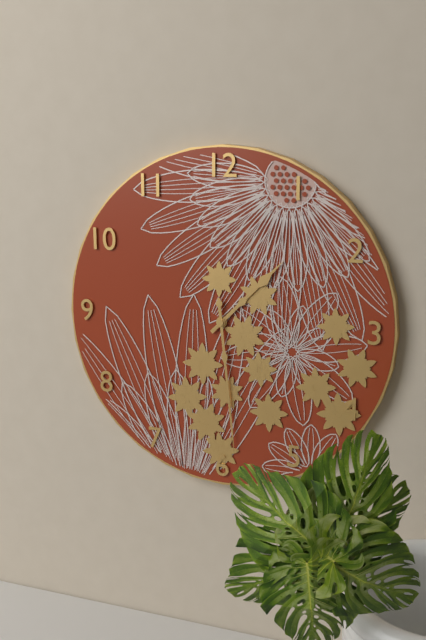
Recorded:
h=1 m=29
